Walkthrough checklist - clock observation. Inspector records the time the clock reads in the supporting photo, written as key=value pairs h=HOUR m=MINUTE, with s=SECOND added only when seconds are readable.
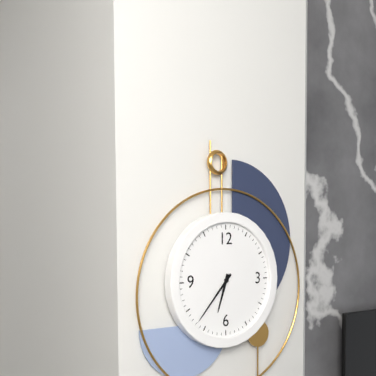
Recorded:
h=6 m=37
